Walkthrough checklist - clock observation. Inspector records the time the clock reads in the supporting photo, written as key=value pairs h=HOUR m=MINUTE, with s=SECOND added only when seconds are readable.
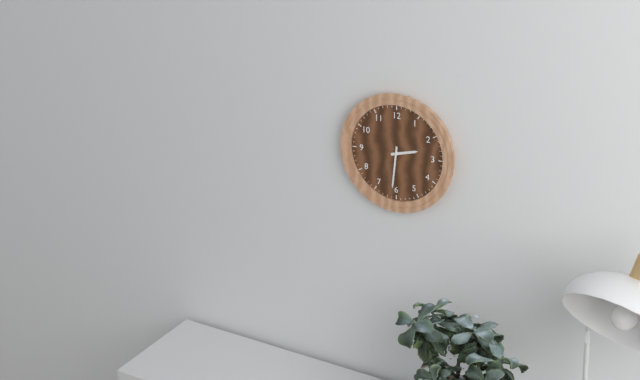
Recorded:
h=2 m=31
